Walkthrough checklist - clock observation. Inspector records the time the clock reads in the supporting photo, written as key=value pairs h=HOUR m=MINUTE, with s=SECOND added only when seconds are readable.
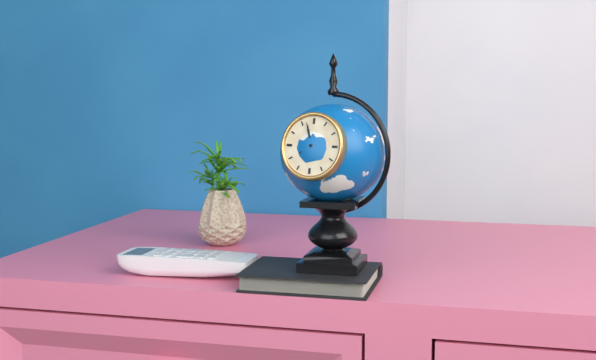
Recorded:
h=7 m=57
